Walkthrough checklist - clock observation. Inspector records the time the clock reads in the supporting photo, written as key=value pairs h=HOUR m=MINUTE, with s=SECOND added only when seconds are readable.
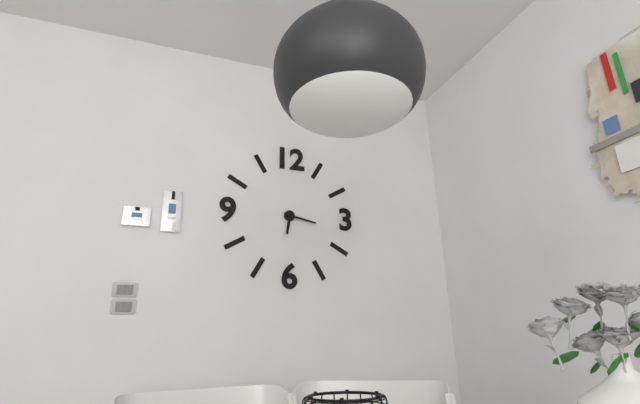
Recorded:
h=6 m=17
